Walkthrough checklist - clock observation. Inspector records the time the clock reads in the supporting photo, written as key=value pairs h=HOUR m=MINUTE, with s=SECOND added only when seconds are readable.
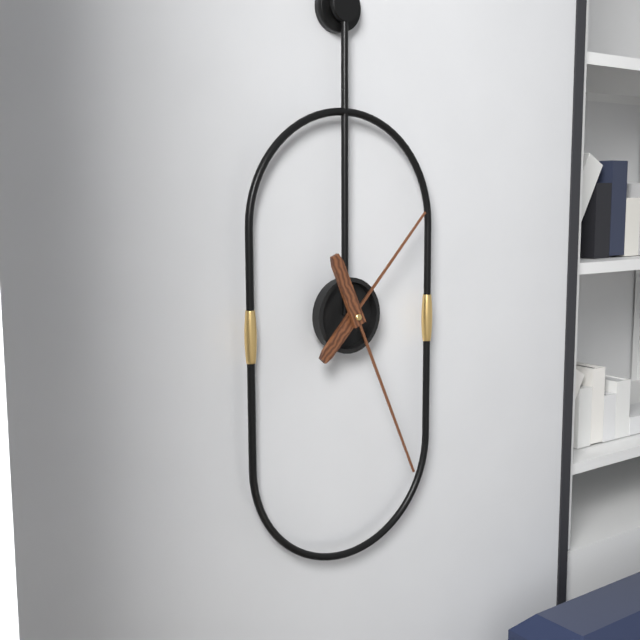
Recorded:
h=1 m=26
